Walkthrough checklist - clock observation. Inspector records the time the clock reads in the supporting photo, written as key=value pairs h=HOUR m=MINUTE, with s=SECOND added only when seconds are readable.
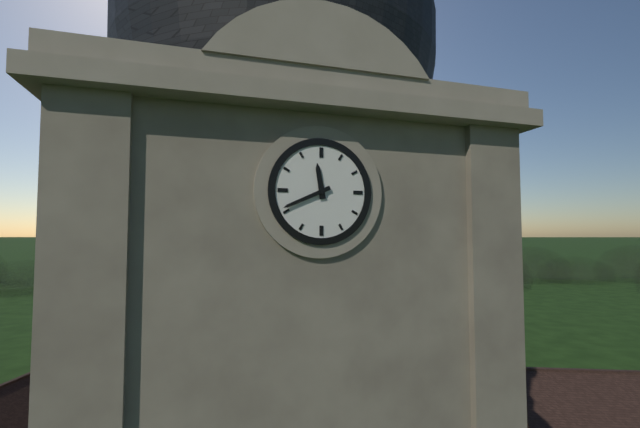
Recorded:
h=11 m=41
